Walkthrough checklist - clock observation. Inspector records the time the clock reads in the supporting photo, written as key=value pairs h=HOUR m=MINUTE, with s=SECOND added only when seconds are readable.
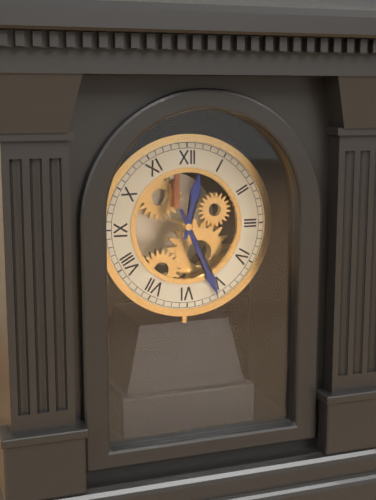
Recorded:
h=12 m=26
